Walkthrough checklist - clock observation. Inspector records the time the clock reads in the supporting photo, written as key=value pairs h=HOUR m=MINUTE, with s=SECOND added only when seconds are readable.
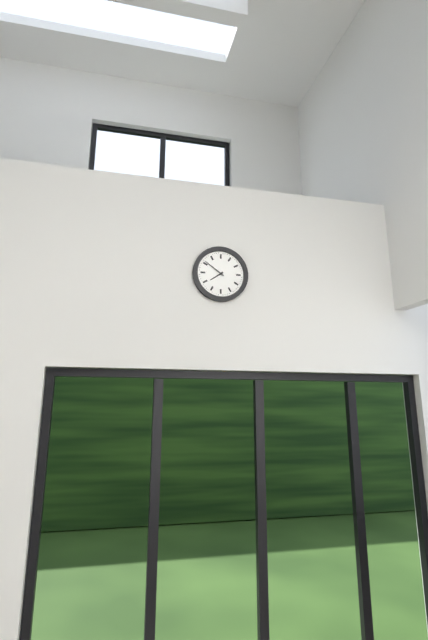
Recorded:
h=7 m=51
